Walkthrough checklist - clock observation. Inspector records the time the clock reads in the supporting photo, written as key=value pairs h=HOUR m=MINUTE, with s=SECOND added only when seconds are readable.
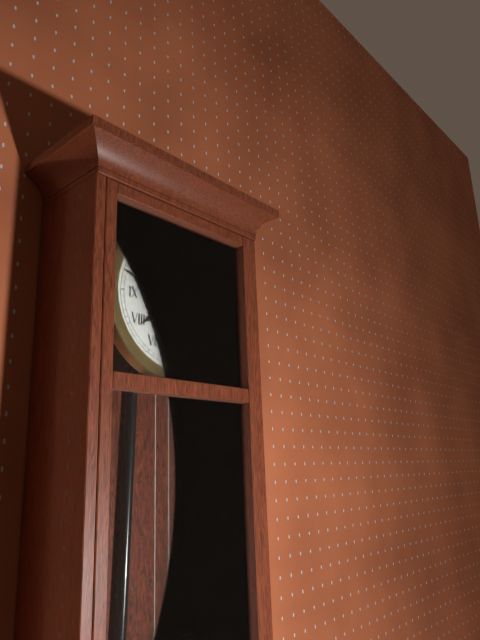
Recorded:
h=7 m=48
